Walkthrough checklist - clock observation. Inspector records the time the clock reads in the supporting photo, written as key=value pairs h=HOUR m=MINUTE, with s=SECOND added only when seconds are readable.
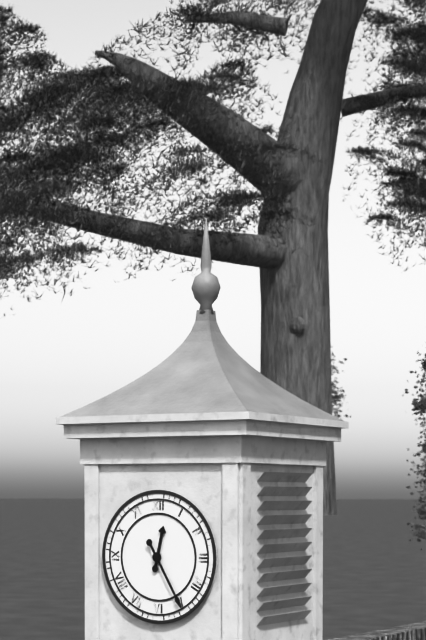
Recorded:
h=12 m=25
